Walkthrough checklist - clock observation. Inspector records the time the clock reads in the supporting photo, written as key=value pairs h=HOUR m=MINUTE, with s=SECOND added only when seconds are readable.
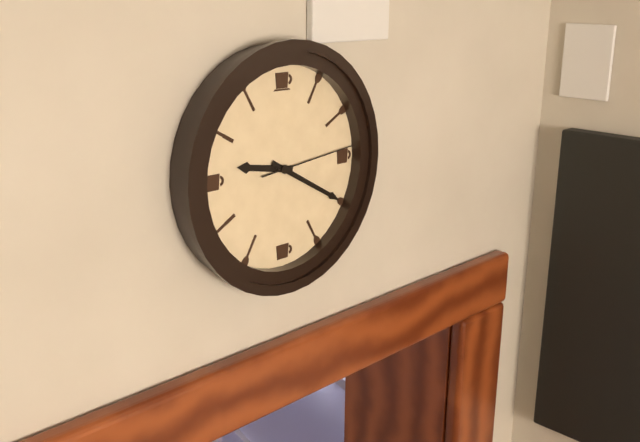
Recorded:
h=9 m=20 s=14
